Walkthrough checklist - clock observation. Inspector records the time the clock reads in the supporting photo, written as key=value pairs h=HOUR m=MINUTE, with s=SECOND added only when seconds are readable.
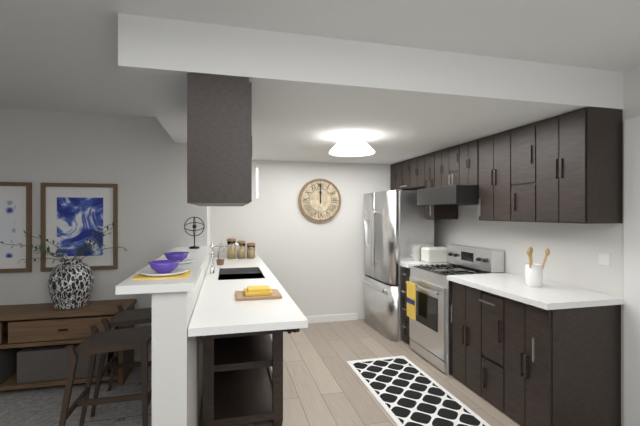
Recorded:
h=12 m=0
